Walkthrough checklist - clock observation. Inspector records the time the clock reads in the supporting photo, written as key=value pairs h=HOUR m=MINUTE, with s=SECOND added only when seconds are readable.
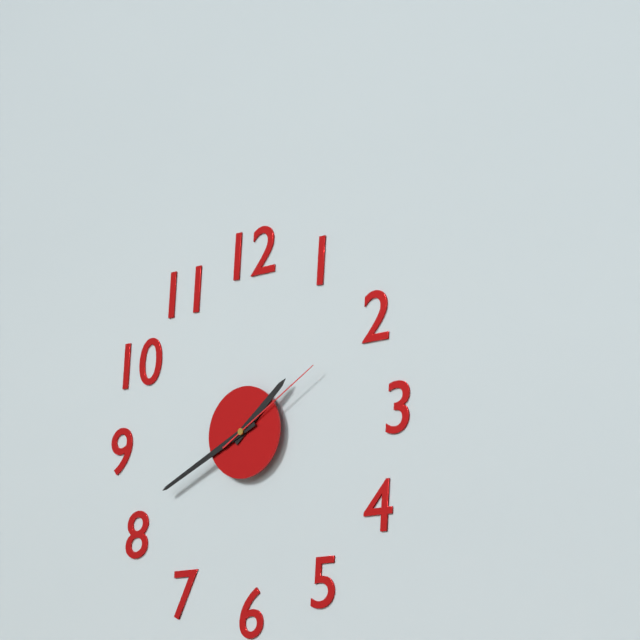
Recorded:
h=1 m=41 s=10
